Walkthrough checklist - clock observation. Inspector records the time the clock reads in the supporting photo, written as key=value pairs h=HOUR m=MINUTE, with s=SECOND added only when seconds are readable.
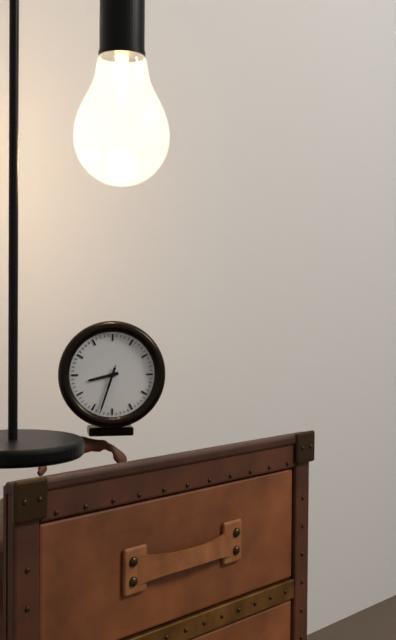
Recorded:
h=8 m=33 s=33
